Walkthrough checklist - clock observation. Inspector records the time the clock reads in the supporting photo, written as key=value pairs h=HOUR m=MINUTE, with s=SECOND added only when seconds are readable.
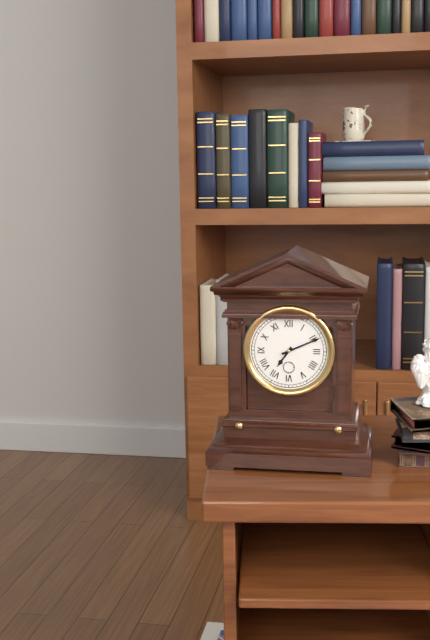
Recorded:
h=7 m=11
